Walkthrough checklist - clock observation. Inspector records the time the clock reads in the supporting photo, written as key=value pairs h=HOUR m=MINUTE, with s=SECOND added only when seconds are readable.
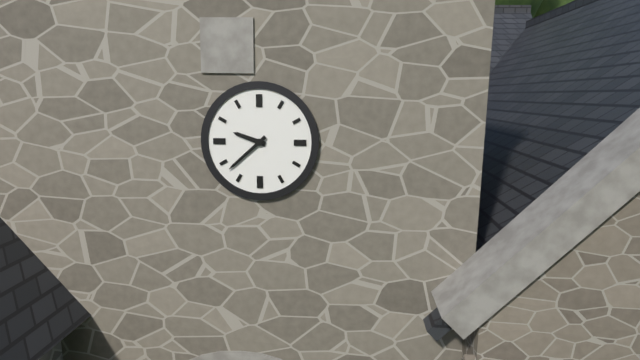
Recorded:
h=9 m=38
